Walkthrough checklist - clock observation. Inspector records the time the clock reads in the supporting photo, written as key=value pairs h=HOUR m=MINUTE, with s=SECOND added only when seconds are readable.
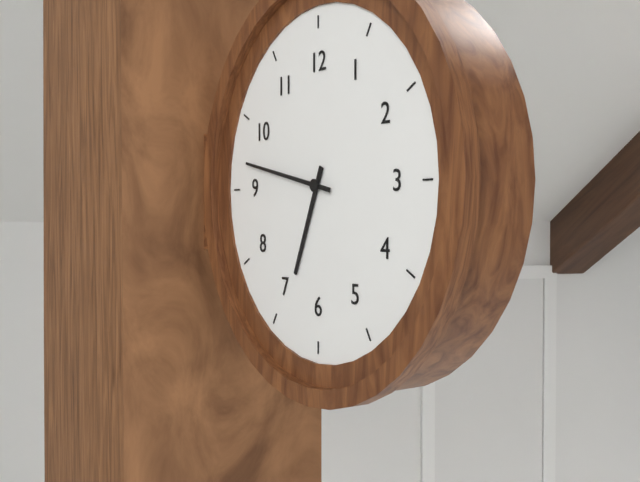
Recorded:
h=6 m=47
